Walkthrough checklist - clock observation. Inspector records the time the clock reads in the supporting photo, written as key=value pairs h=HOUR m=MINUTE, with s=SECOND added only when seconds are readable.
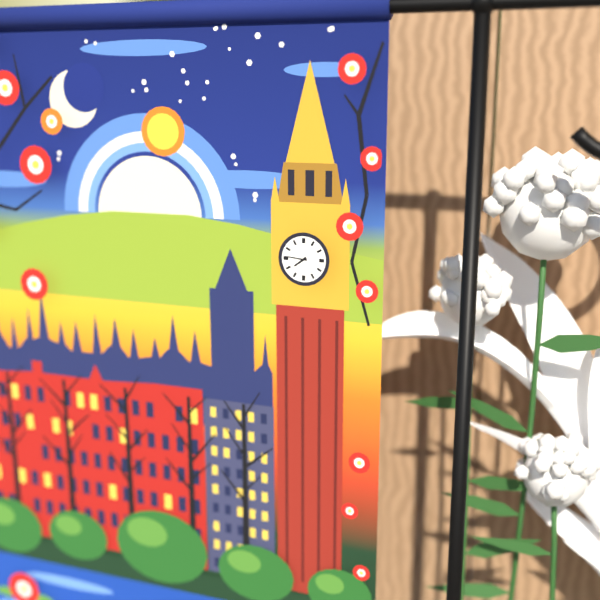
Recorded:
h=7 m=46
